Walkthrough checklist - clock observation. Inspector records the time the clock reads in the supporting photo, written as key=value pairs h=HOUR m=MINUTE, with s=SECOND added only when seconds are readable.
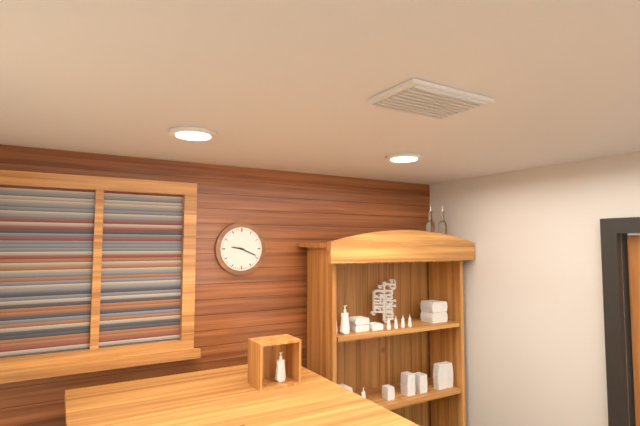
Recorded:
h=9 m=19
